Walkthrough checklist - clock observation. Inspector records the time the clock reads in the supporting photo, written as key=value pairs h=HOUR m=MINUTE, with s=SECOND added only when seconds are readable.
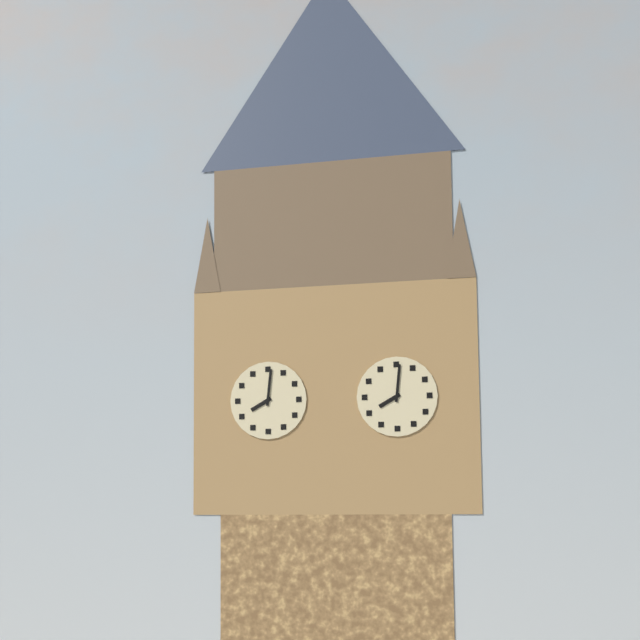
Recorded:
h=8 m=1
